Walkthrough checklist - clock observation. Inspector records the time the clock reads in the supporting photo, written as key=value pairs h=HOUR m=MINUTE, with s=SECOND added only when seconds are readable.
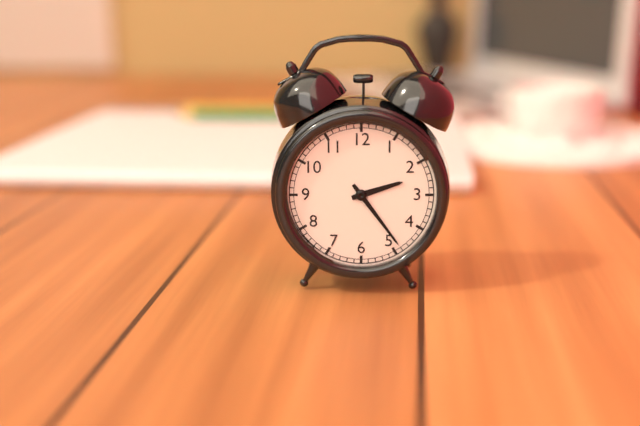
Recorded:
h=2 m=24
